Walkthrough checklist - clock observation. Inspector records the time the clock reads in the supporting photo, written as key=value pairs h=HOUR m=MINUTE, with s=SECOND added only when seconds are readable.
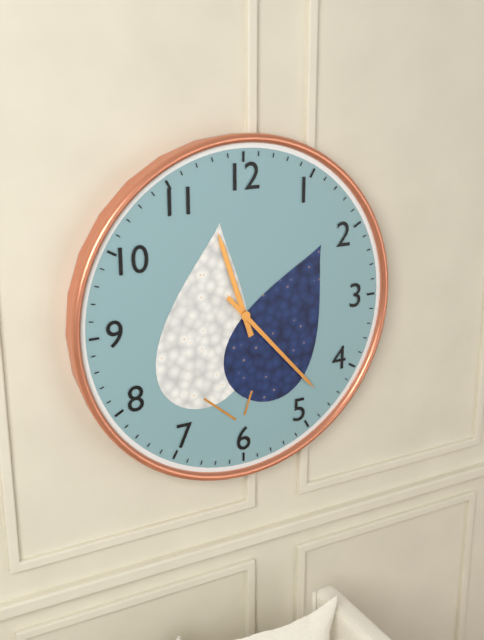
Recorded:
h=11 m=23
